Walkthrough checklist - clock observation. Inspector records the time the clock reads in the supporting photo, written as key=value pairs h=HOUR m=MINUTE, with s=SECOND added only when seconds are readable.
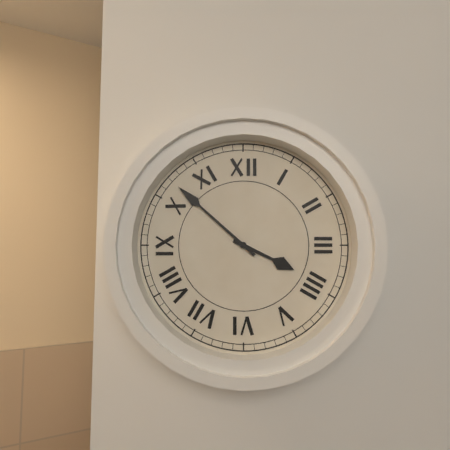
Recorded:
h=3 m=52
